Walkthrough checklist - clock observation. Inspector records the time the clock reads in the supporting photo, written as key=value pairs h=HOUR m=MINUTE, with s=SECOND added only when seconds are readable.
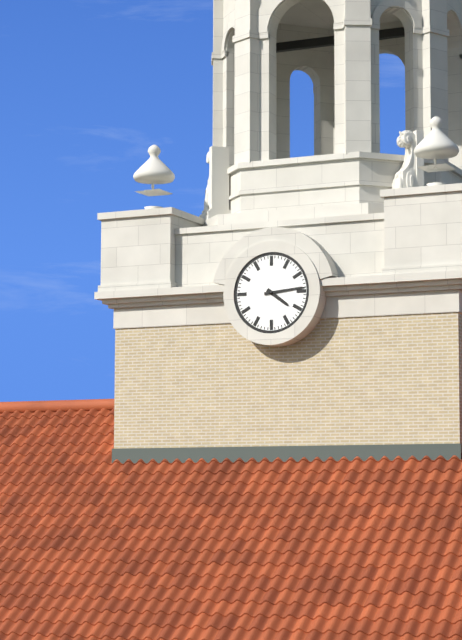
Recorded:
h=4 m=14
